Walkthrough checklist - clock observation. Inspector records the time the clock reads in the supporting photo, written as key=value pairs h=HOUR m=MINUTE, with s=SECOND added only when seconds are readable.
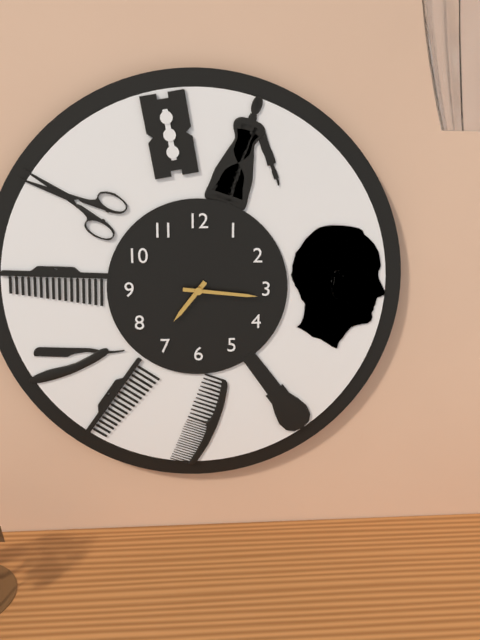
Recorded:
h=7 m=16
